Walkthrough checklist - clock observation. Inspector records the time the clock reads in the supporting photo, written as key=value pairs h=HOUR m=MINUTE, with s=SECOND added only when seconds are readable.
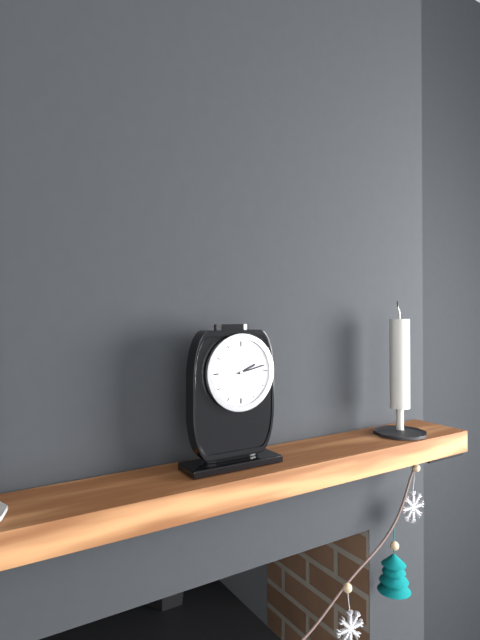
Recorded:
h=2 m=13
